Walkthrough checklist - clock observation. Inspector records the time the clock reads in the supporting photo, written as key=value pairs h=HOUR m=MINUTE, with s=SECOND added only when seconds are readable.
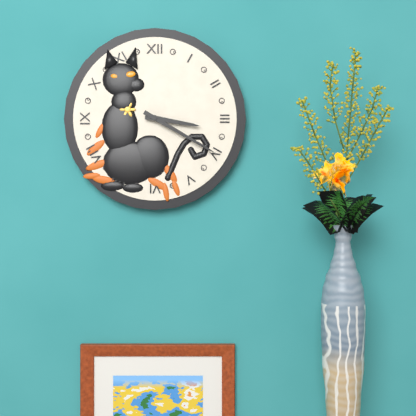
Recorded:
h=3 m=20
